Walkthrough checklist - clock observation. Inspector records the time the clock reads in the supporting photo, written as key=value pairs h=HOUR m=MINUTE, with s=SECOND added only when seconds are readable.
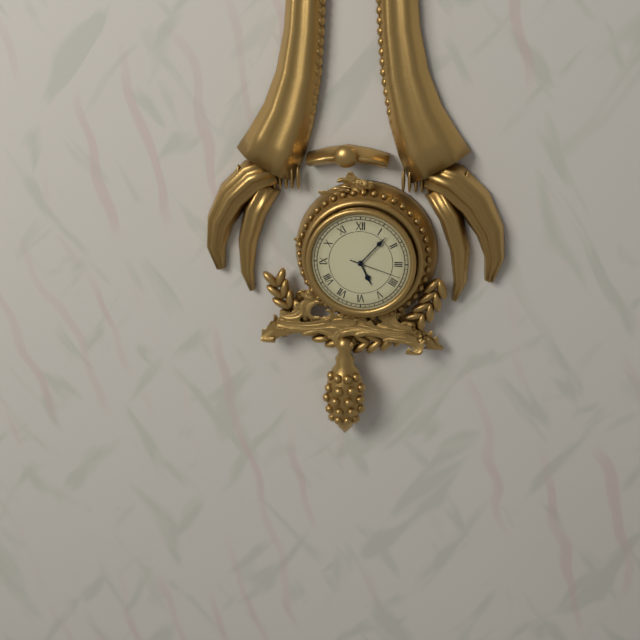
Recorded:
h=5 m=7 s=18
